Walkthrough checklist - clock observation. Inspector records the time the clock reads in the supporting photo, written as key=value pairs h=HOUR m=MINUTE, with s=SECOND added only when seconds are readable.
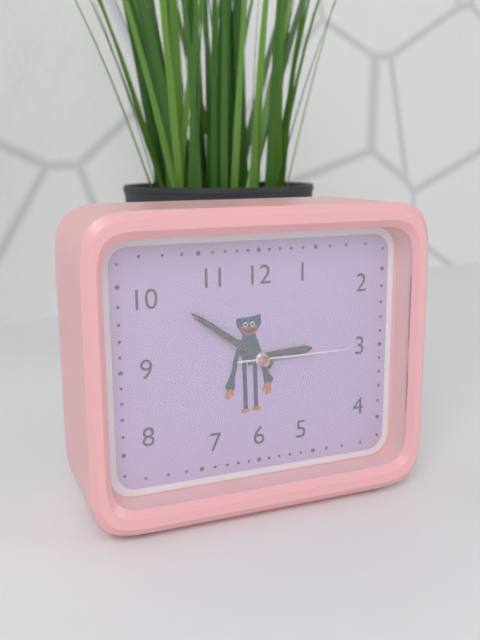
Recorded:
h=2 m=51 s=15
